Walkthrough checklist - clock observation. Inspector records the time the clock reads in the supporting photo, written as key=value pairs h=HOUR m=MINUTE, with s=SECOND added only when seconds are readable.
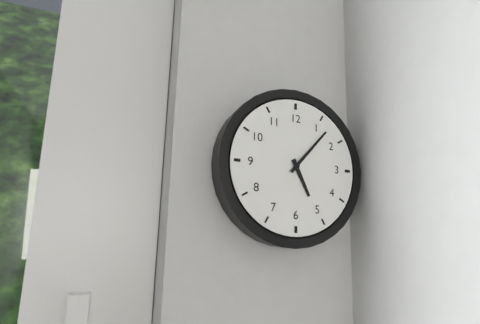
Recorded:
h=5 m=7
